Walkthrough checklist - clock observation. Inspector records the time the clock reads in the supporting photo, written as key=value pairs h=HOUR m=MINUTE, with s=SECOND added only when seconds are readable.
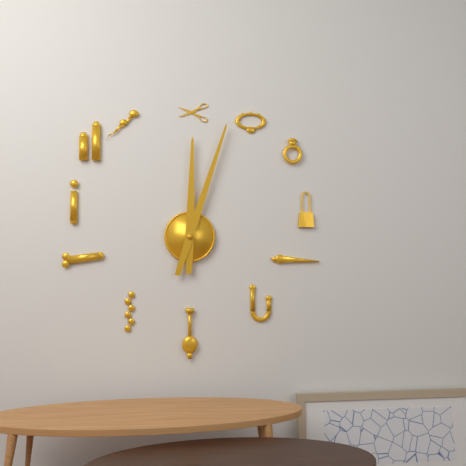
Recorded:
h=12 m=3
